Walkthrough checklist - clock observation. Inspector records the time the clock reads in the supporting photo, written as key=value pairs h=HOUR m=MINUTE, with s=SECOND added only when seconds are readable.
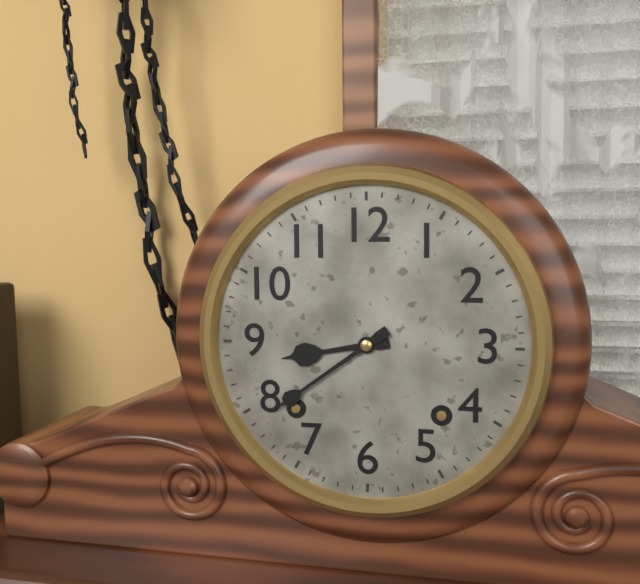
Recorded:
h=8 m=39
